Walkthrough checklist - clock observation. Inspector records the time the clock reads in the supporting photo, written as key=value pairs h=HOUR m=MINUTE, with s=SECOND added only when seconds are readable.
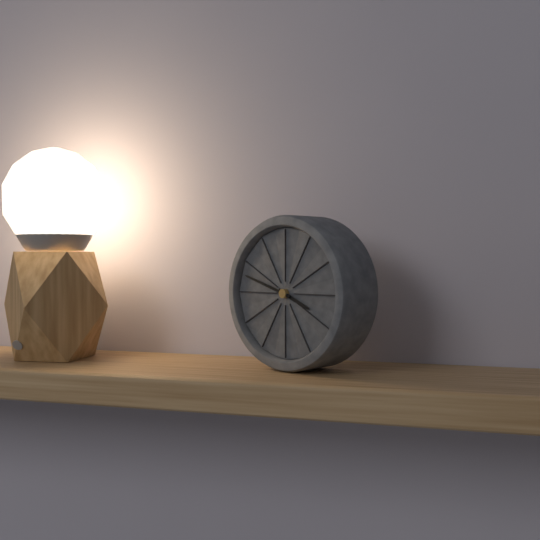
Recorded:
h=3 m=48
